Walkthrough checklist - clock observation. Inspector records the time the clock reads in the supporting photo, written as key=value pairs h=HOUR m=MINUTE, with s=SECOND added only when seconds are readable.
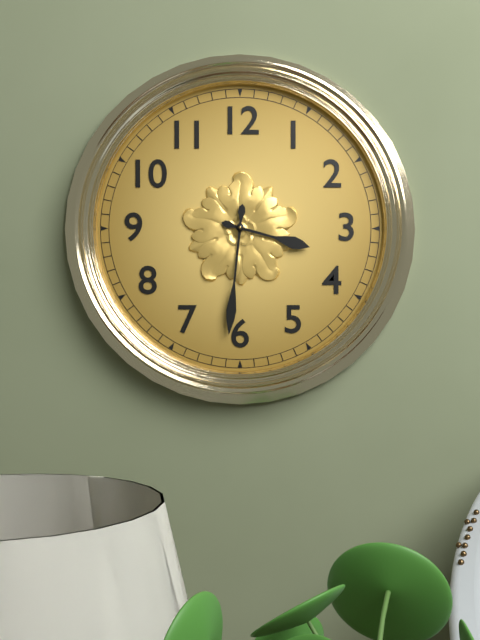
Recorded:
h=3 m=31
